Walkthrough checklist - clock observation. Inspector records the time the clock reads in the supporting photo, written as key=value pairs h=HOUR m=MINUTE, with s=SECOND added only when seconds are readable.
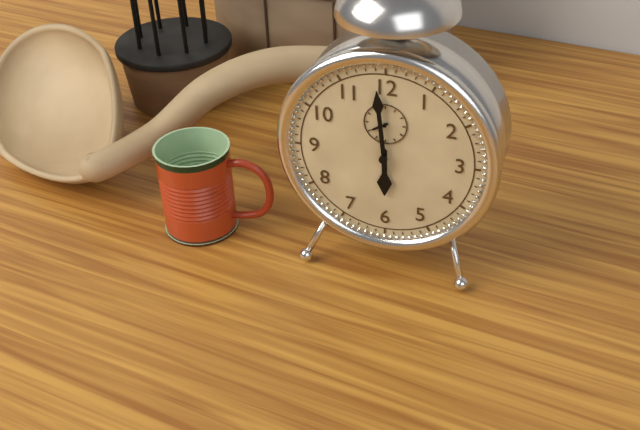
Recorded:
h=5 m=59
